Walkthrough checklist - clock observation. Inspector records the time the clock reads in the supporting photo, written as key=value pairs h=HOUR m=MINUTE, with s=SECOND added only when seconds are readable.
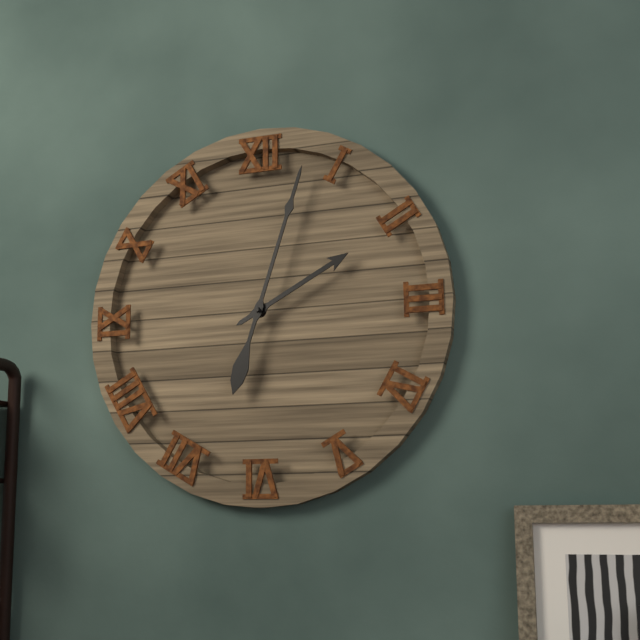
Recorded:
h=2 m=3
